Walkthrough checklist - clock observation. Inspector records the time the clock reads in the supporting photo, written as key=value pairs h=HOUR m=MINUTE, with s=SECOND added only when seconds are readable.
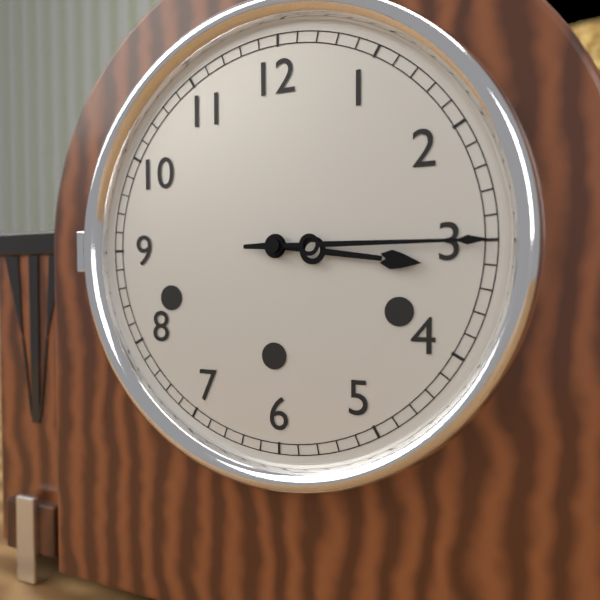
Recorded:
h=3 m=15
